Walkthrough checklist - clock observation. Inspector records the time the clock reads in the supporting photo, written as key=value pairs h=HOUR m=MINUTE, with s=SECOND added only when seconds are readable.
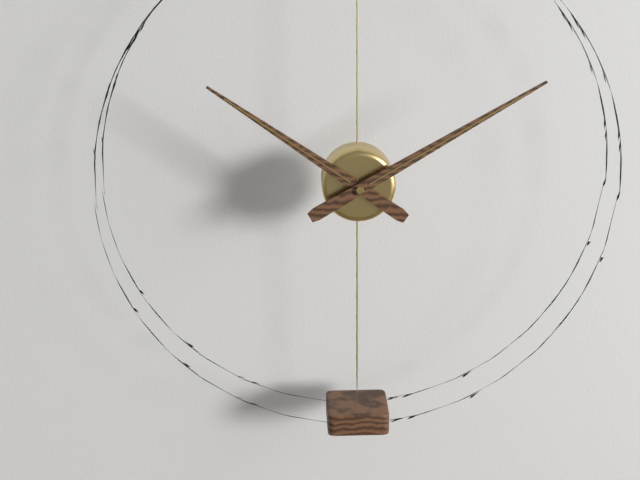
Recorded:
h=10 m=10
